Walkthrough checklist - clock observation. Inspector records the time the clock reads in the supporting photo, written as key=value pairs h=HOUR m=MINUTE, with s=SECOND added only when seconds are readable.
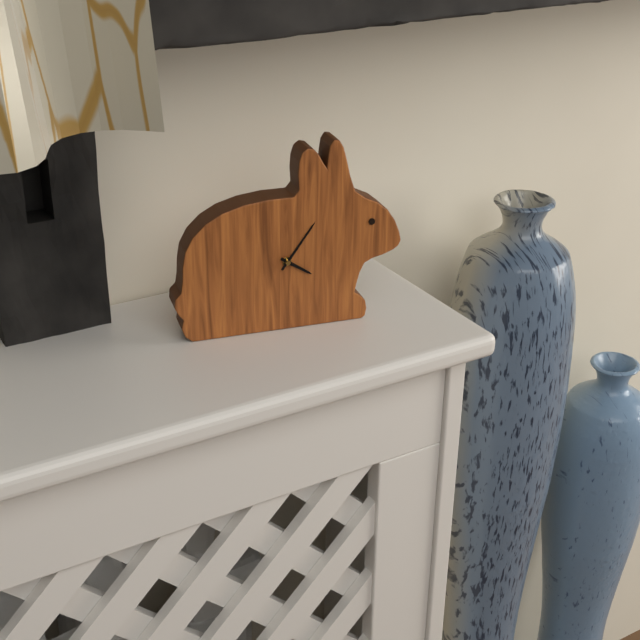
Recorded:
h=4 m=6
